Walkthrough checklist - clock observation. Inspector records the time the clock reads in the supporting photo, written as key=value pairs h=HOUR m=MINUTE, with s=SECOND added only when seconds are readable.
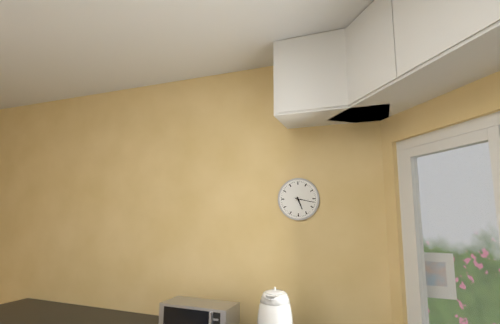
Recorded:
h=5 m=17
